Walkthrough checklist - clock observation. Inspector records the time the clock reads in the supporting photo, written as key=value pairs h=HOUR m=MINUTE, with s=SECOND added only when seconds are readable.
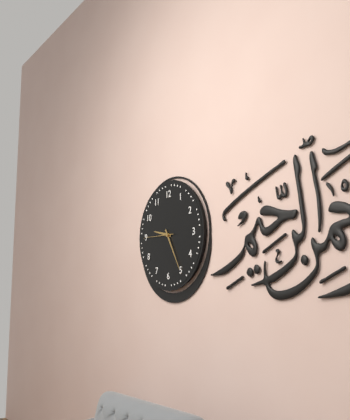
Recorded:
h=9 m=25
